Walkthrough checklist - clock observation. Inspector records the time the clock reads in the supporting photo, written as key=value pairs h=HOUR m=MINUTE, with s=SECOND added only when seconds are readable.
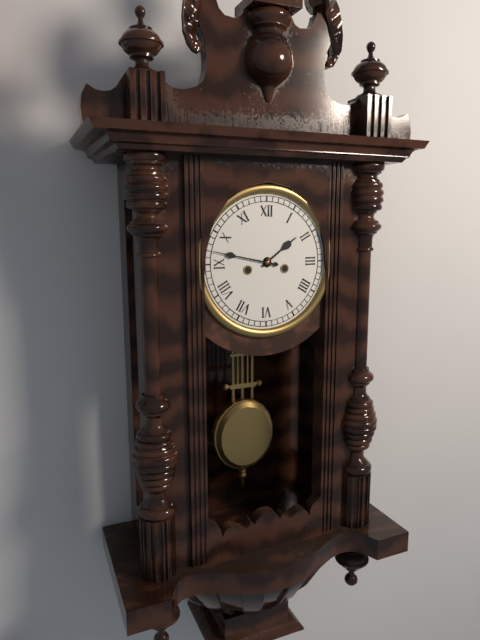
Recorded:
h=1 m=47
